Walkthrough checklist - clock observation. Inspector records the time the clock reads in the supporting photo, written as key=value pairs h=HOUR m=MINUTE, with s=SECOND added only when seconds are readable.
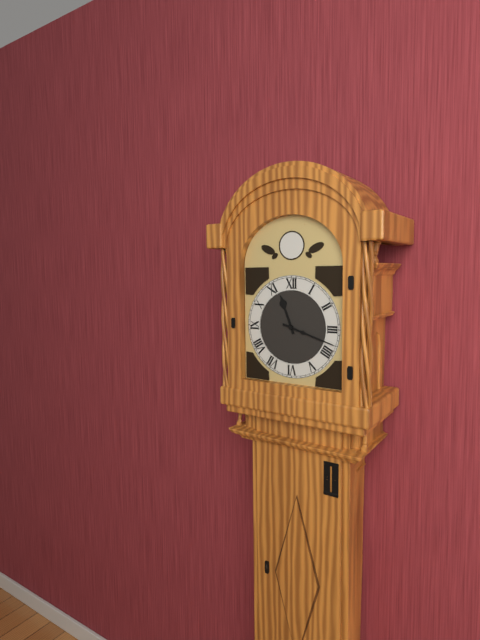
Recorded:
h=11 m=18
